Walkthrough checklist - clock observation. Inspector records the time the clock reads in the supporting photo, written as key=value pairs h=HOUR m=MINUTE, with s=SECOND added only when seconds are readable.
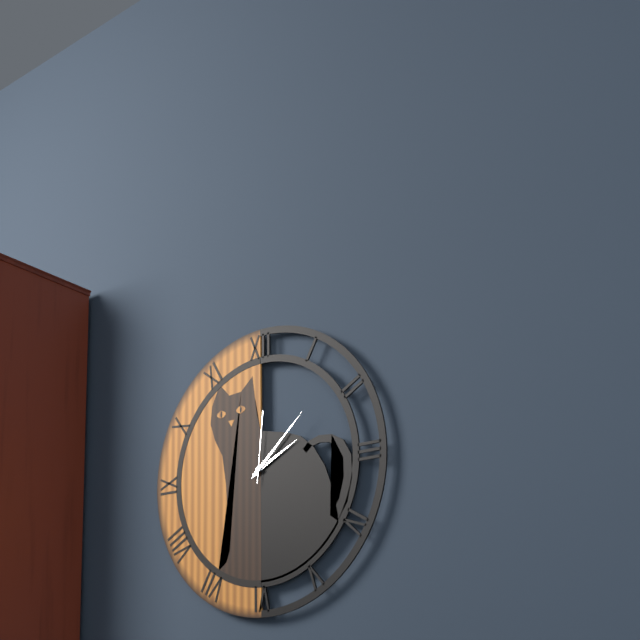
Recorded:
h=2 m=8 s=1
